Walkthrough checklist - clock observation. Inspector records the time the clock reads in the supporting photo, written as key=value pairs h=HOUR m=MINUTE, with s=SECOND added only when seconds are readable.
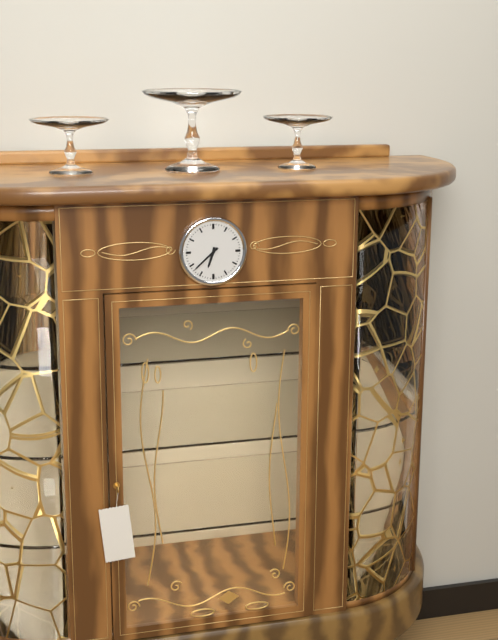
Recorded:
h=6 m=38
